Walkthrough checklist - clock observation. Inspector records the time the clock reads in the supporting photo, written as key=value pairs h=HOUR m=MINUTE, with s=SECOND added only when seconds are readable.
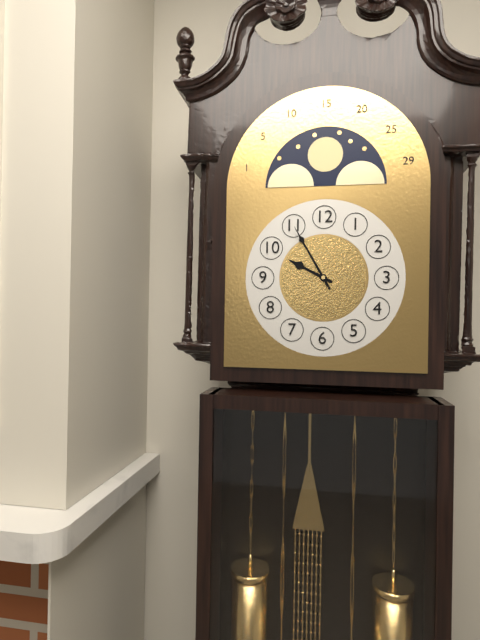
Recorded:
h=9 m=55
